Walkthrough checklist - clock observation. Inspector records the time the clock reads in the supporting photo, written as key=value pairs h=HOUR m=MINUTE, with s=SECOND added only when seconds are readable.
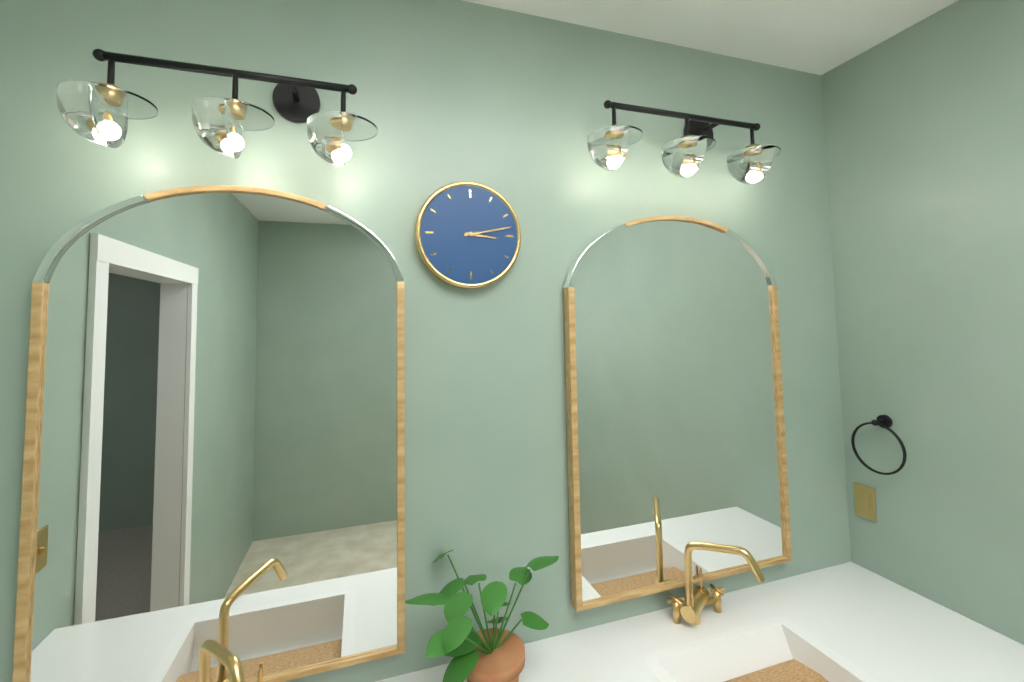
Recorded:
h=3 m=13
